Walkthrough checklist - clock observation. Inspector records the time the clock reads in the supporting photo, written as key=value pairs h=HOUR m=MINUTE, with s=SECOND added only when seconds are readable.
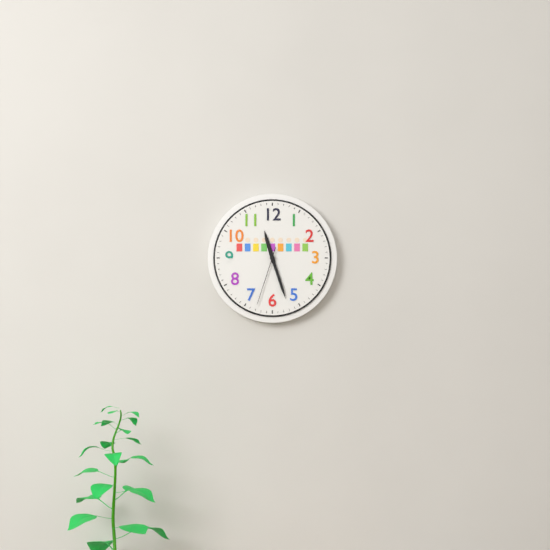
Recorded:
h=11 m=27 s=33
